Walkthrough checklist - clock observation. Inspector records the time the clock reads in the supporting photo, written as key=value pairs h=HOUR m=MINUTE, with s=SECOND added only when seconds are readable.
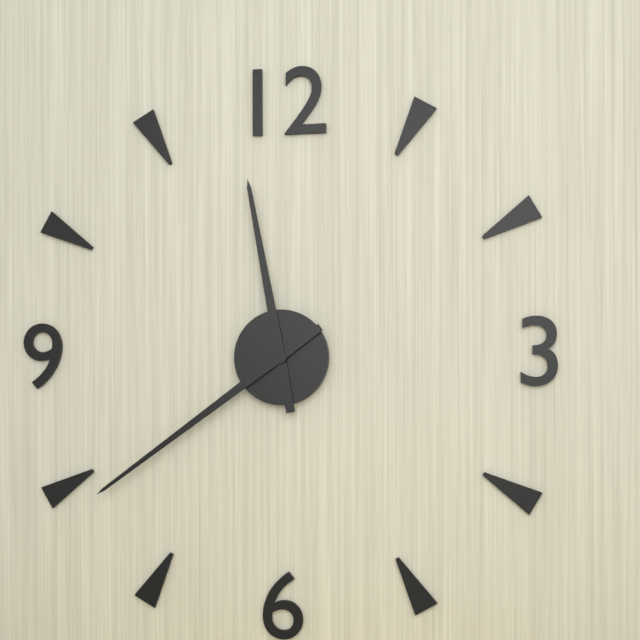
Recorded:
h=11 m=39
